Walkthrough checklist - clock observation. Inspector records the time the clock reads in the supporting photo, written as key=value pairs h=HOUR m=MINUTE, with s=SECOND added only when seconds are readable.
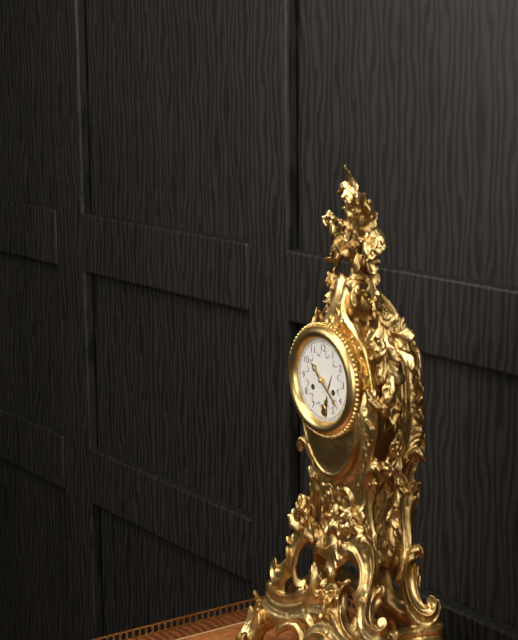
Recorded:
h=10 m=22
